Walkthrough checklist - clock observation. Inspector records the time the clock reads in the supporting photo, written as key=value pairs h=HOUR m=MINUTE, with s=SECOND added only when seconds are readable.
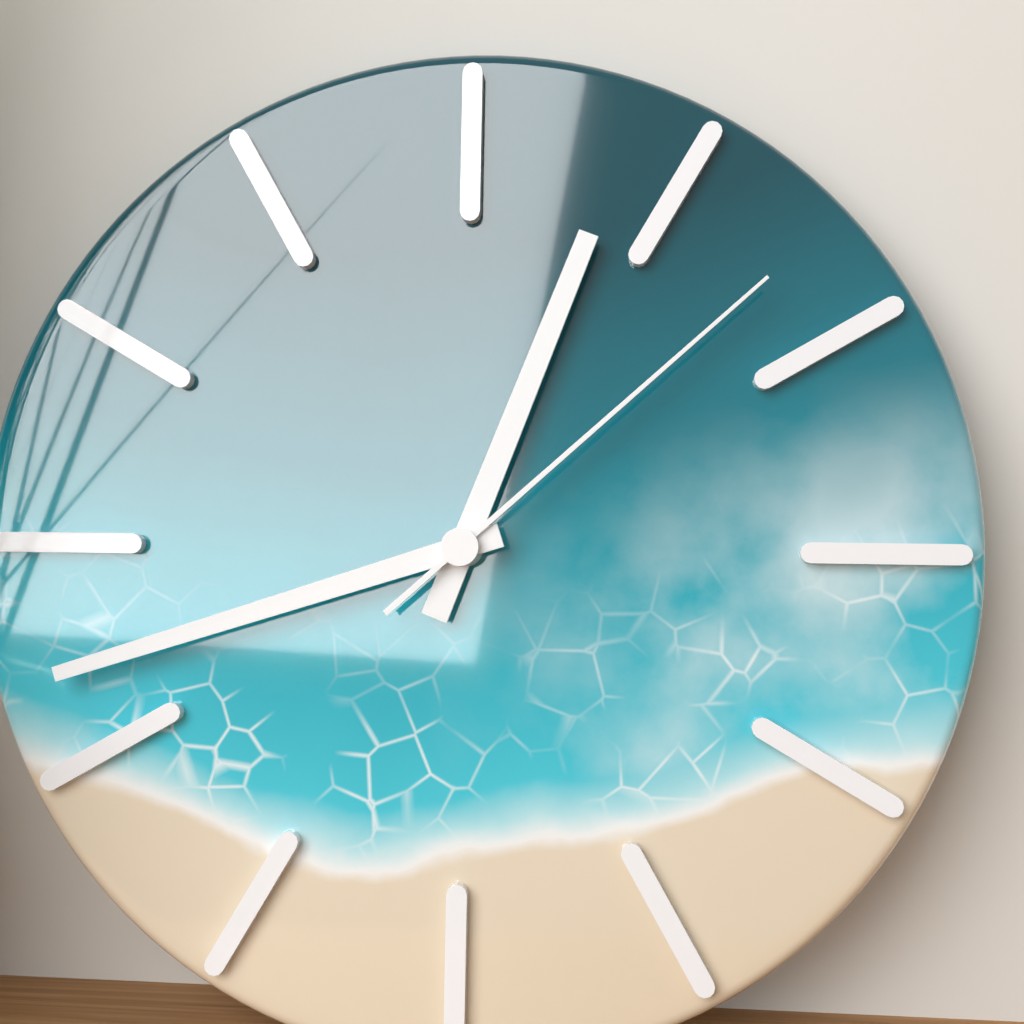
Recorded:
h=12 m=42 s=8
